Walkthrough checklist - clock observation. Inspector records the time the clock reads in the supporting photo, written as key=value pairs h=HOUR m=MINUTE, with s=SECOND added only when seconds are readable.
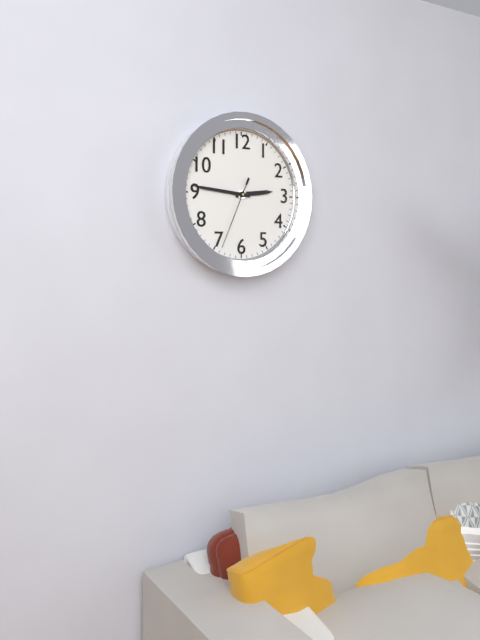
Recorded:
h=2 m=46 s=34
